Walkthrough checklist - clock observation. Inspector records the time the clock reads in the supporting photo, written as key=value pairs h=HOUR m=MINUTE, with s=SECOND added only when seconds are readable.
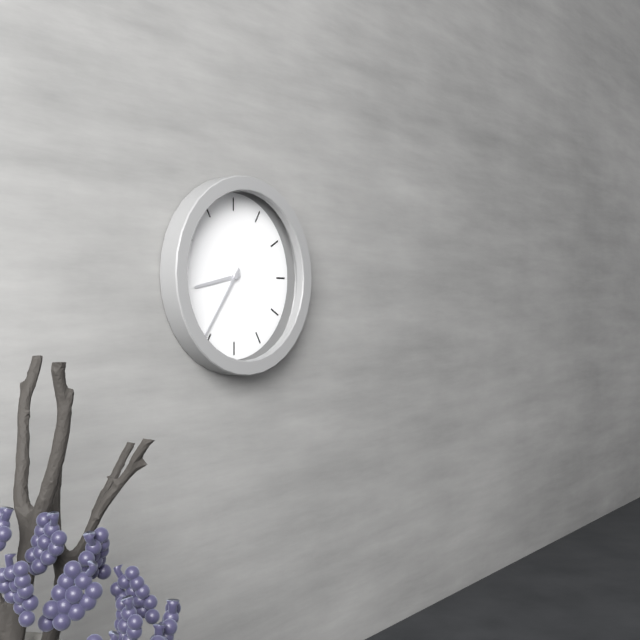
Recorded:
h=8 m=36
